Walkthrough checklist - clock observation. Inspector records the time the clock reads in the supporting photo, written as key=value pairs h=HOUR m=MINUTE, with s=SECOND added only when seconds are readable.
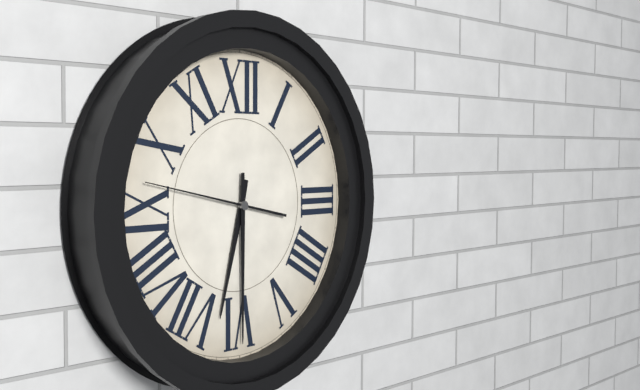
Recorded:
h=6 m=30 s=47
